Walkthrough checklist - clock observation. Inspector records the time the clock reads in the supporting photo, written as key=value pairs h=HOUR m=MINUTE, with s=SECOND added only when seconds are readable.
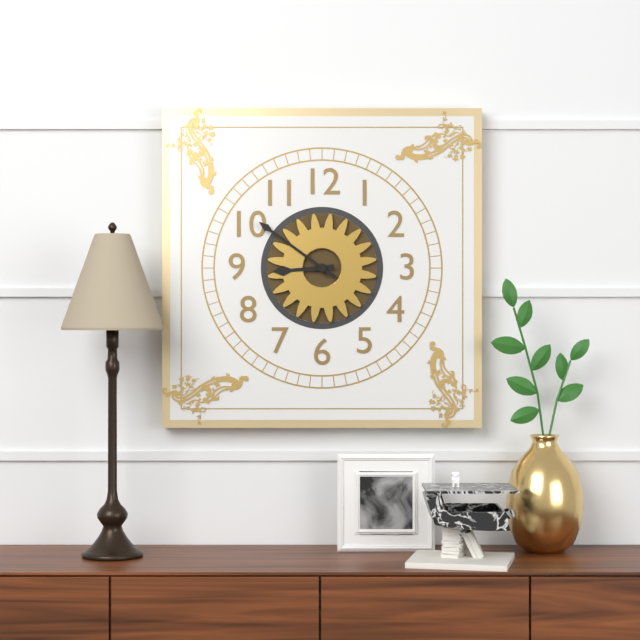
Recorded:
h=8 m=51
